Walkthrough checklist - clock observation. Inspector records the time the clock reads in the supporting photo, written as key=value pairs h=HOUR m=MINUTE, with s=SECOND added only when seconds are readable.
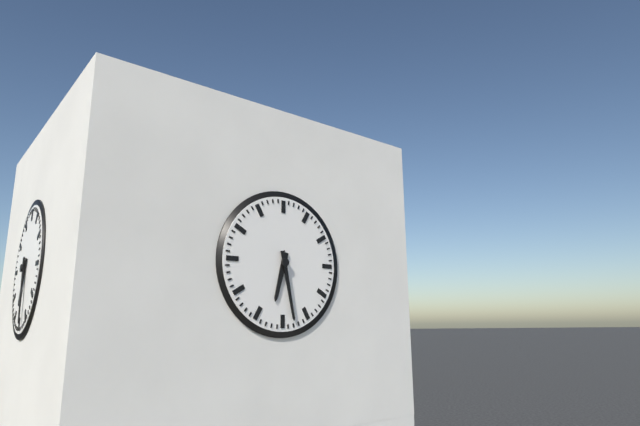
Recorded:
h=6 m=28
